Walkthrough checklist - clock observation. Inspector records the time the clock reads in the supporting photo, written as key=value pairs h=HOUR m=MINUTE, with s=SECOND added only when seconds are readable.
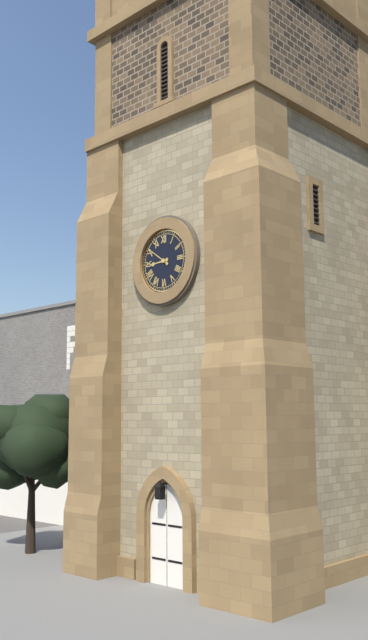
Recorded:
h=8 m=51
